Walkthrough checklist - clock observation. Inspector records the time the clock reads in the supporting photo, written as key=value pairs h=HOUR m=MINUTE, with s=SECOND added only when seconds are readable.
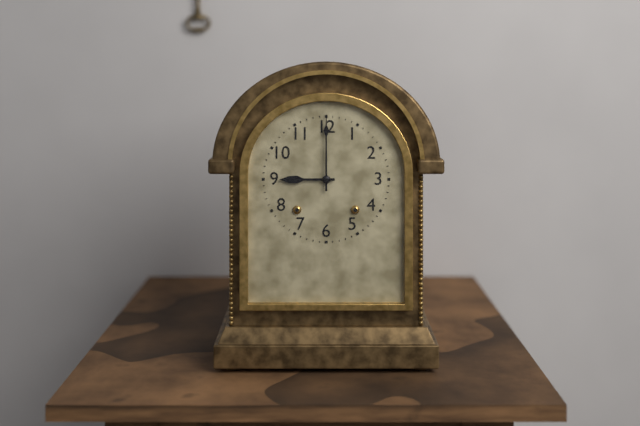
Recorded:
h=9 m=0
